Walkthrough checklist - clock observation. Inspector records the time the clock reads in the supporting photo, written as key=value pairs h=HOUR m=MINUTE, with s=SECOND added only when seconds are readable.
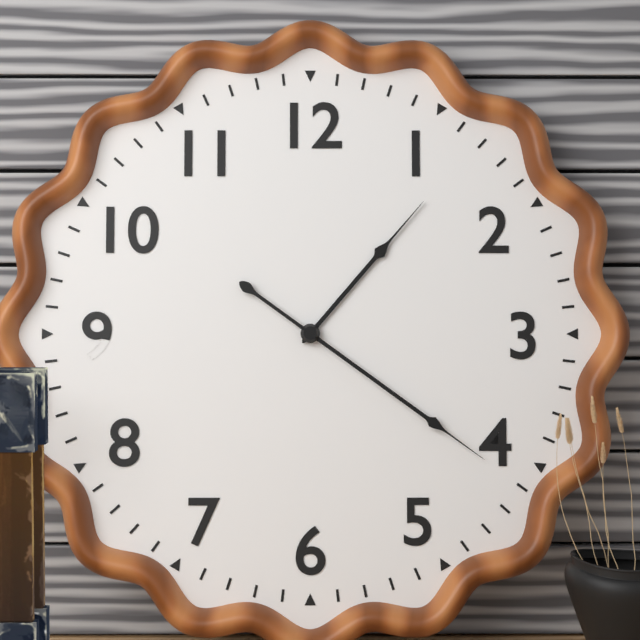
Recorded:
h=1 m=21
